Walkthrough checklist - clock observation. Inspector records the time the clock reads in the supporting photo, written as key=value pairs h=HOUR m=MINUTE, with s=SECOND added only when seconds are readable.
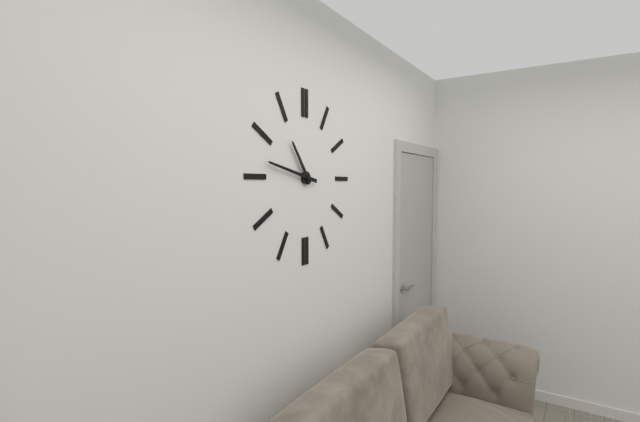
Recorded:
h=10 m=47
